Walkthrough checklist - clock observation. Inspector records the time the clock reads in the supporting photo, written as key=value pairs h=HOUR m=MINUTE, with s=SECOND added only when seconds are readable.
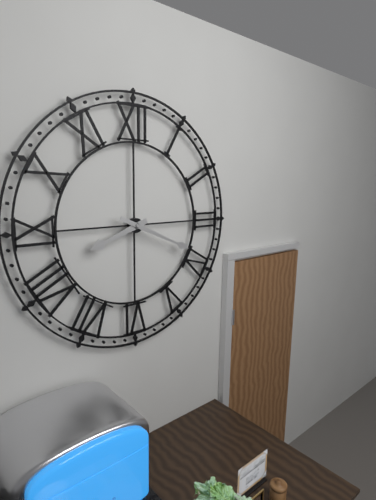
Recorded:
h=8 m=19
